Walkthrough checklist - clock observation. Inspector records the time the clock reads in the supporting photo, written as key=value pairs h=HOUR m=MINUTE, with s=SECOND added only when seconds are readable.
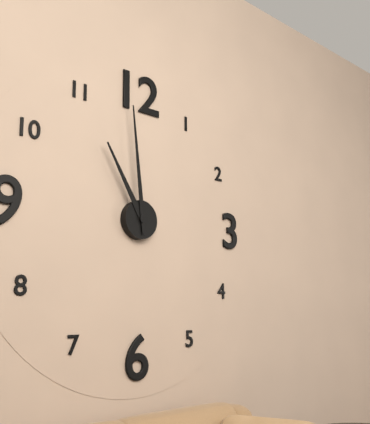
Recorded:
h=10 m=59
